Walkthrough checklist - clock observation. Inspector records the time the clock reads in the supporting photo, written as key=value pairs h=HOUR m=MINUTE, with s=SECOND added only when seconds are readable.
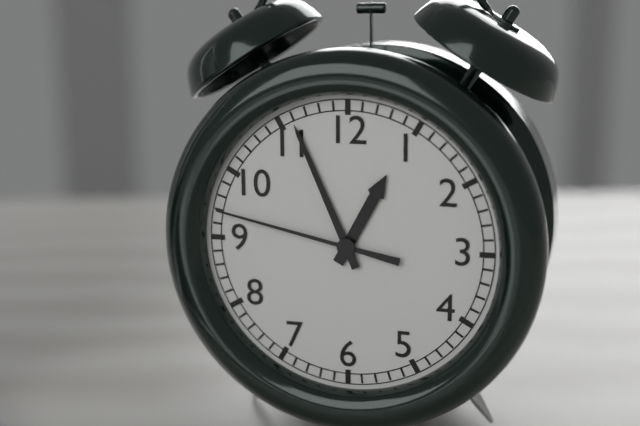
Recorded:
h=12 m=56 s=47
